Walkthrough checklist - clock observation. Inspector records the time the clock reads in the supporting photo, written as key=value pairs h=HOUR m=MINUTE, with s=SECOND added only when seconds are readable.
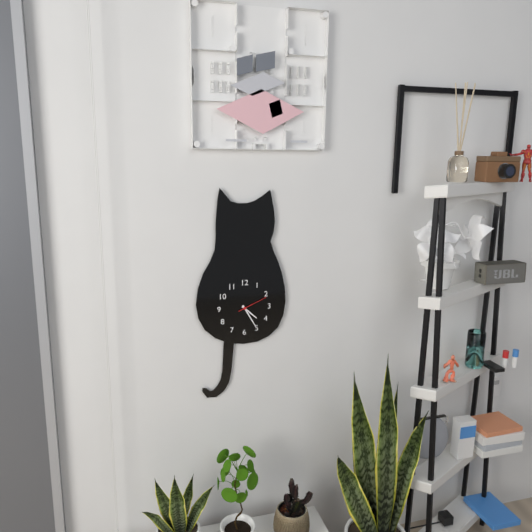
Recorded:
h=4 m=25
